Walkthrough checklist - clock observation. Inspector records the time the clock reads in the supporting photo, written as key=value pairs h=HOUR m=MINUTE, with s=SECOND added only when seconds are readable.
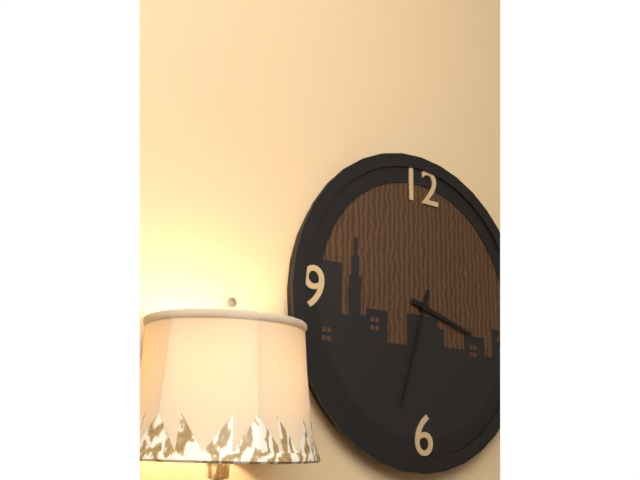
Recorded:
h=3 m=33
